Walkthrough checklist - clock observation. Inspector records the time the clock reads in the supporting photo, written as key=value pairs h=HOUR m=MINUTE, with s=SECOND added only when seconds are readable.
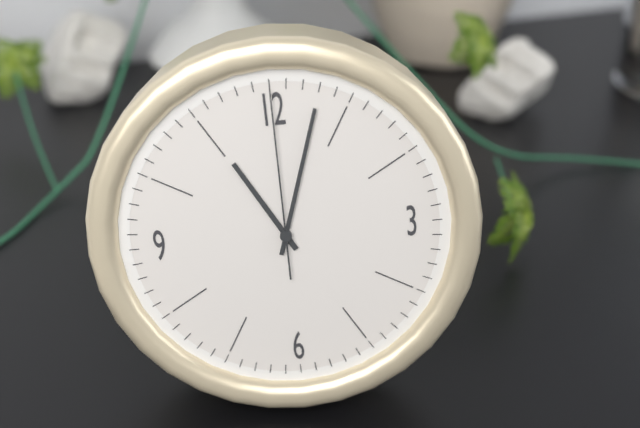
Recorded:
h=11 m=3 s=0
